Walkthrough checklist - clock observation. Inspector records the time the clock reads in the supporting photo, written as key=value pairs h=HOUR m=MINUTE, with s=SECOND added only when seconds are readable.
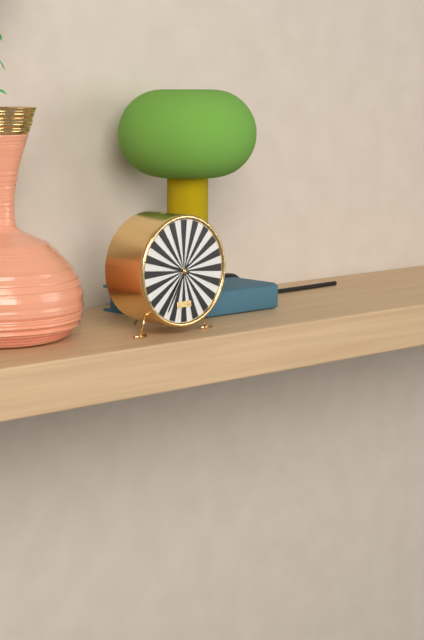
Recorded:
h=9 m=35
